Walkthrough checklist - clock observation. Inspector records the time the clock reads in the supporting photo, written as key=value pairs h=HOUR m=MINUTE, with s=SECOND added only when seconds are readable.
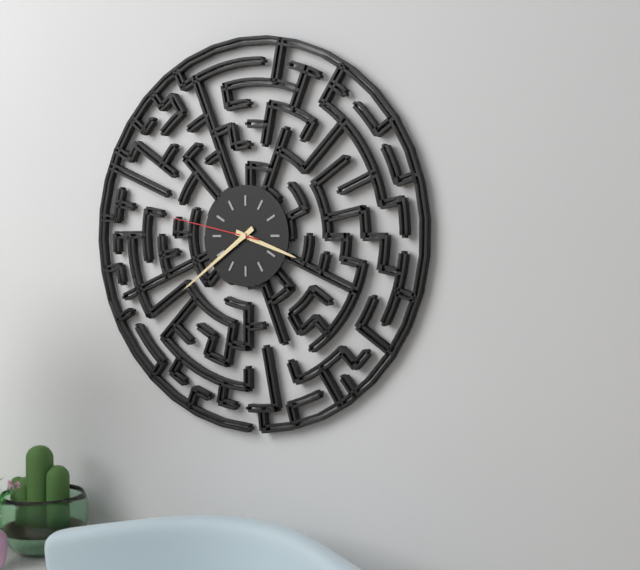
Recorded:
h=3 m=39 s=47
